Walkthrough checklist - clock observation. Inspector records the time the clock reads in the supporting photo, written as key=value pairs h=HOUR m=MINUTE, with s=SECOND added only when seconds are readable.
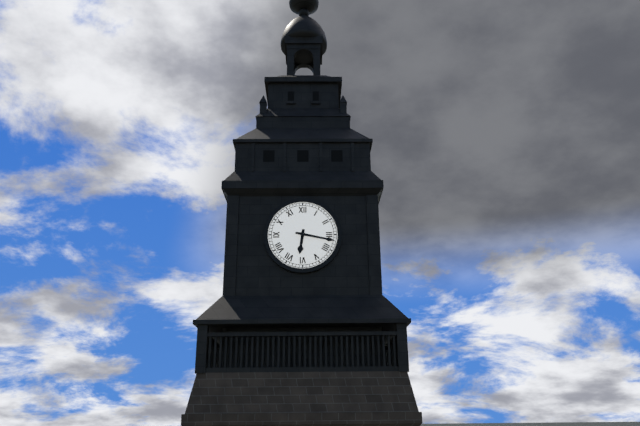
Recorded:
h=6 m=17
